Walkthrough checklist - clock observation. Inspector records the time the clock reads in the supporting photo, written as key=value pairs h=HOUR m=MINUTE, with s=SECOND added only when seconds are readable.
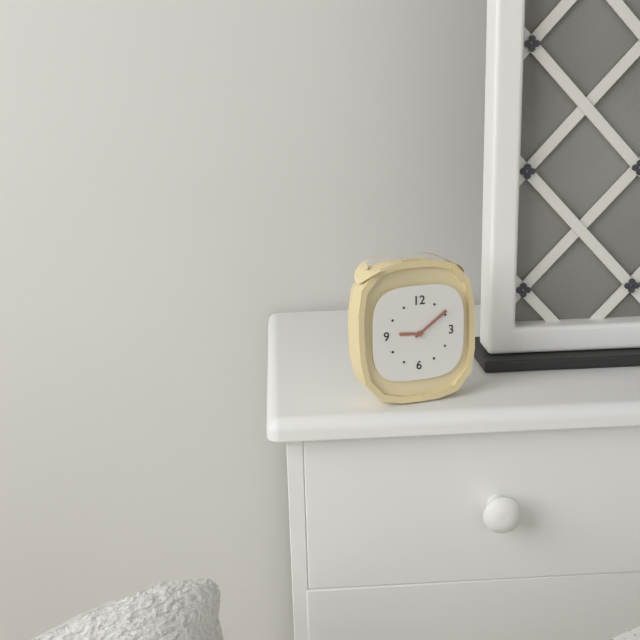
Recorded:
h=9 m=9
